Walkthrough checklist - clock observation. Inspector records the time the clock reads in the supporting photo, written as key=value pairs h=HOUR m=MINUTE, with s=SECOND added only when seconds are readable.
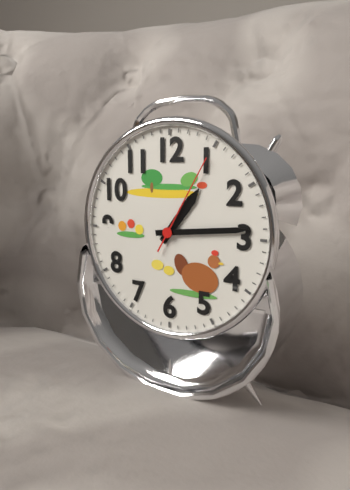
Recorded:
h=1 m=14 s=5
